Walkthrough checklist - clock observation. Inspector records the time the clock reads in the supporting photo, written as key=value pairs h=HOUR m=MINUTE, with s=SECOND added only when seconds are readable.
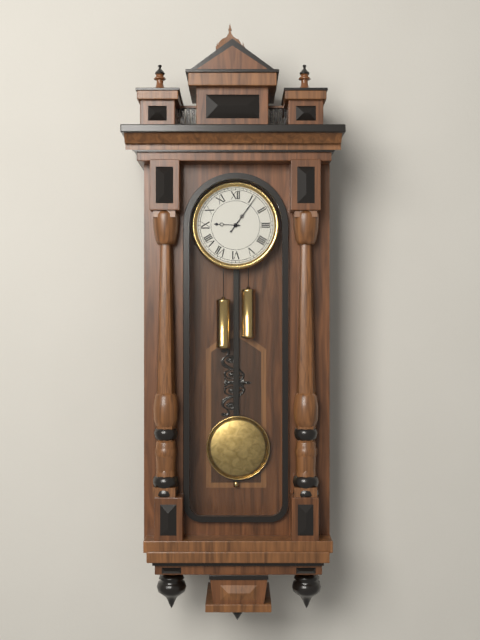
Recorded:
h=9 m=6
